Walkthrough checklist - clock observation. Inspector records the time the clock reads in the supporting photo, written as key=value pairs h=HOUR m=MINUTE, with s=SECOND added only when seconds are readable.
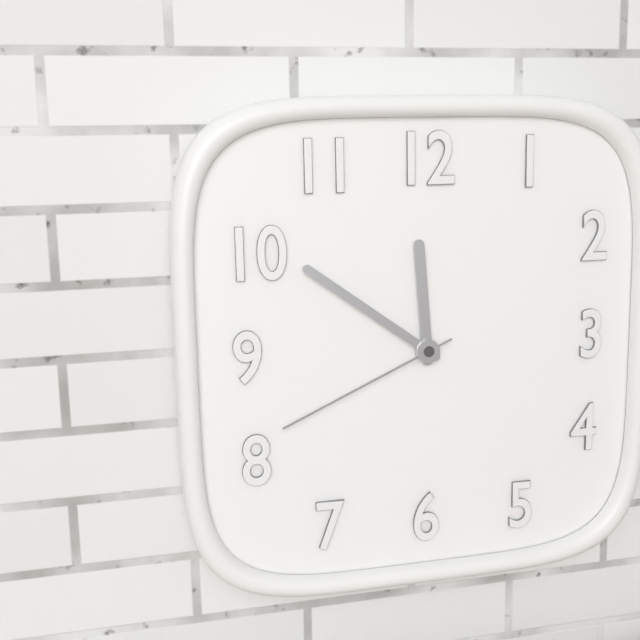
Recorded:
h=11 m=51 s=41
